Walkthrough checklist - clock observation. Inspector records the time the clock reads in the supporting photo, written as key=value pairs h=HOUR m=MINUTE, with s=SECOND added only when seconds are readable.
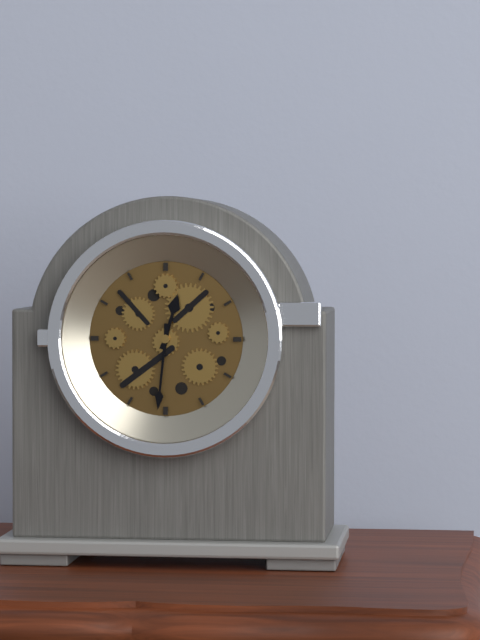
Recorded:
h=12 m=31
